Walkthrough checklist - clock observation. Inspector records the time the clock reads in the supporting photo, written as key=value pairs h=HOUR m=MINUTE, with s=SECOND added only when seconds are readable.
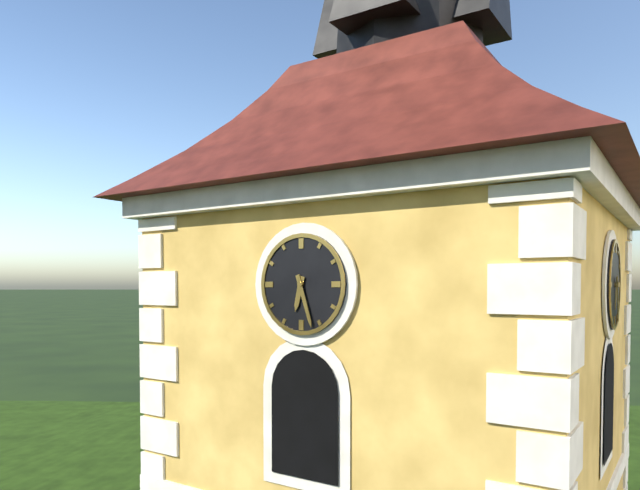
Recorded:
h=6 m=27
